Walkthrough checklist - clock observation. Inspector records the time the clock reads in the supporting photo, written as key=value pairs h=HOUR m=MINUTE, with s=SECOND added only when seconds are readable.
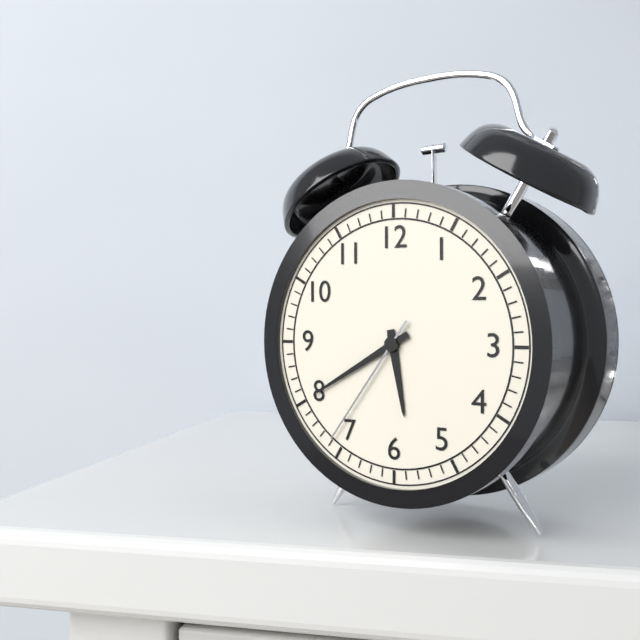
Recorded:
h=5 m=40 s=36
